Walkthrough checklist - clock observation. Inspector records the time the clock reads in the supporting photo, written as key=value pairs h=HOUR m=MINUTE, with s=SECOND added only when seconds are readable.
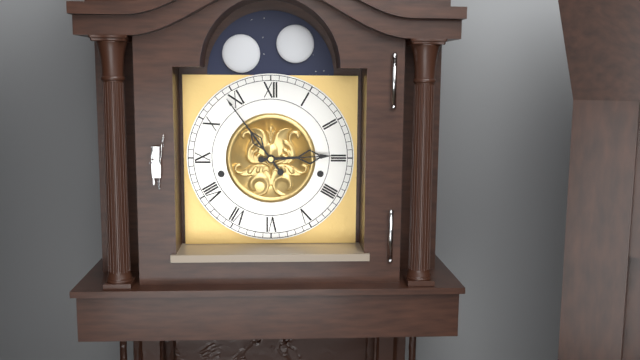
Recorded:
h=2 m=54
